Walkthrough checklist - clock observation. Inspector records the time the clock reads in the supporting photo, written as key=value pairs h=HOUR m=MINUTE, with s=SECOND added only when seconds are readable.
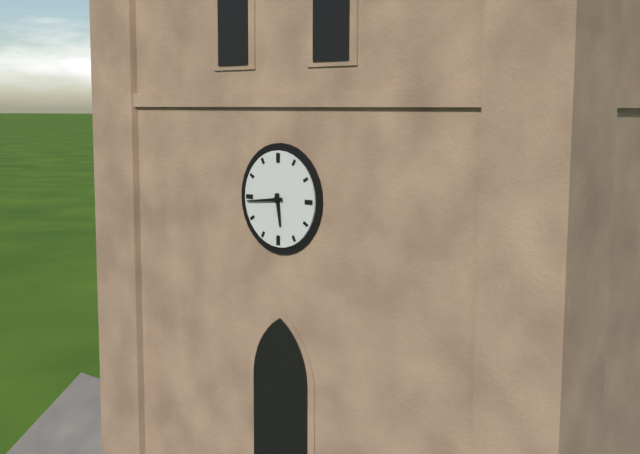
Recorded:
h=5 m=44
